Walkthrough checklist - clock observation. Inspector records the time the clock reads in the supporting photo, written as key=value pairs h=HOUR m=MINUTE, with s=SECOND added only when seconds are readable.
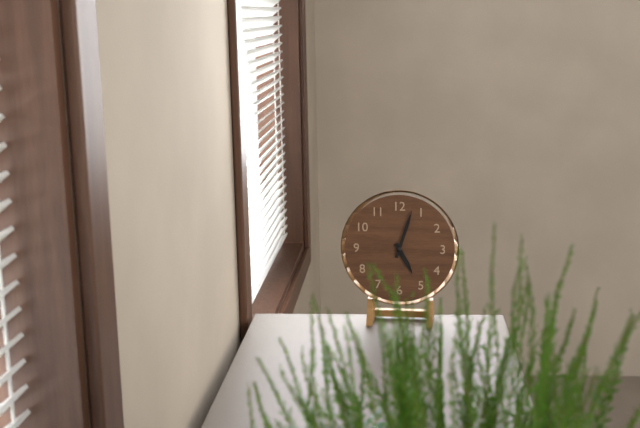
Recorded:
h=5 m=3
